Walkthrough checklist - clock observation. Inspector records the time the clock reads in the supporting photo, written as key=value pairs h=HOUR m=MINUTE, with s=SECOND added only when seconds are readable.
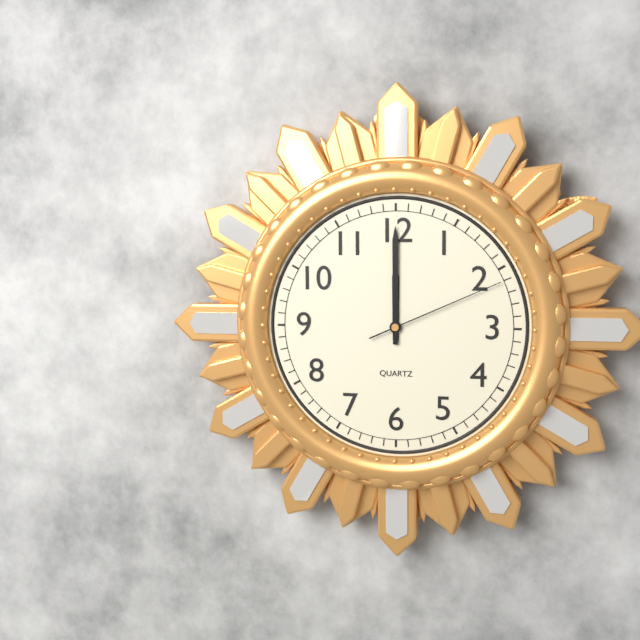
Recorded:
h=12 m=0 s=11
